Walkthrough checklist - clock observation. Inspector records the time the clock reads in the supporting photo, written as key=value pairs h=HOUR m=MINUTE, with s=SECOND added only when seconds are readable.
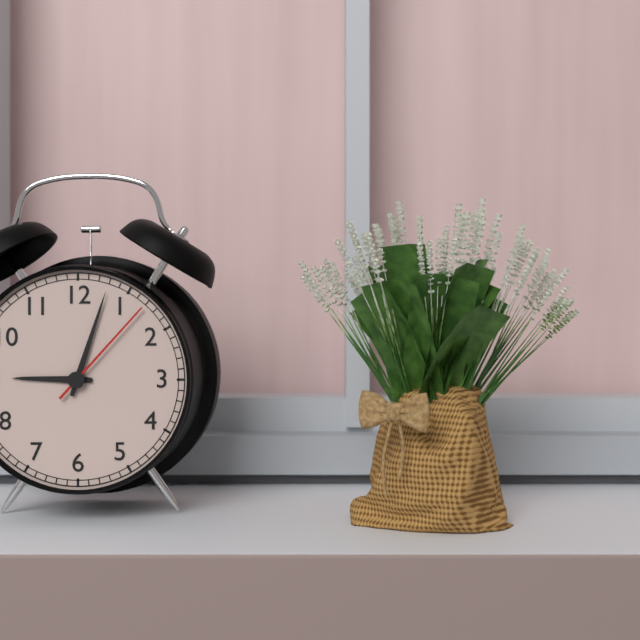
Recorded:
h=9 m=3 s=7
